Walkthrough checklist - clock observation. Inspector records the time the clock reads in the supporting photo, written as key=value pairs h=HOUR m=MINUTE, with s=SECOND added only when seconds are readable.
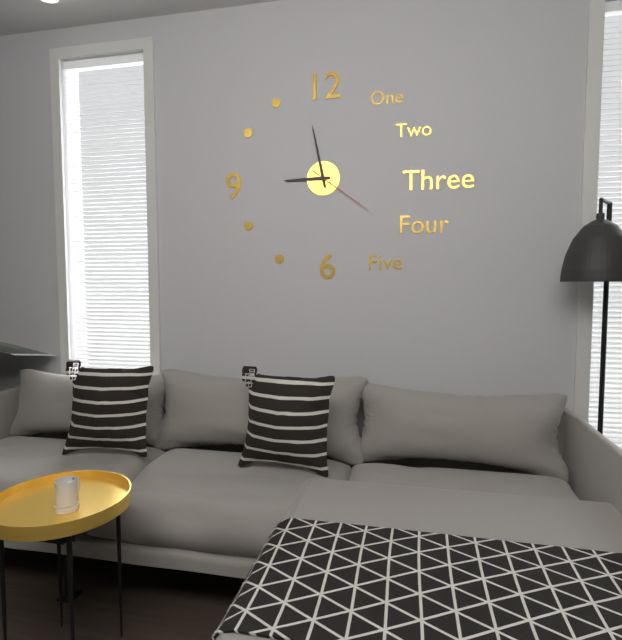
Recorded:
h=8 m=58 s=21
